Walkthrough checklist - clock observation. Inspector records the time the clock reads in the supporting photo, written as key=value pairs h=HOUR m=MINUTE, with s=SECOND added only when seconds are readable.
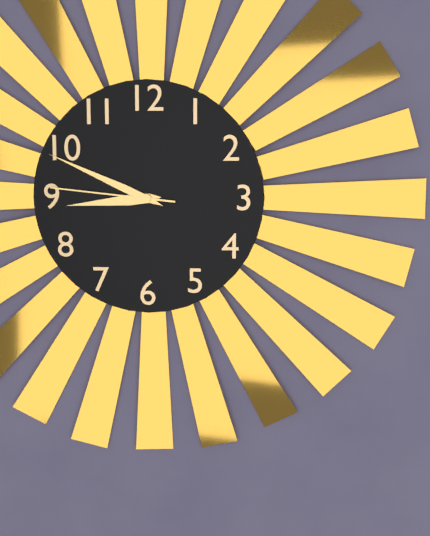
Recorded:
h=8 m=49 s=46
